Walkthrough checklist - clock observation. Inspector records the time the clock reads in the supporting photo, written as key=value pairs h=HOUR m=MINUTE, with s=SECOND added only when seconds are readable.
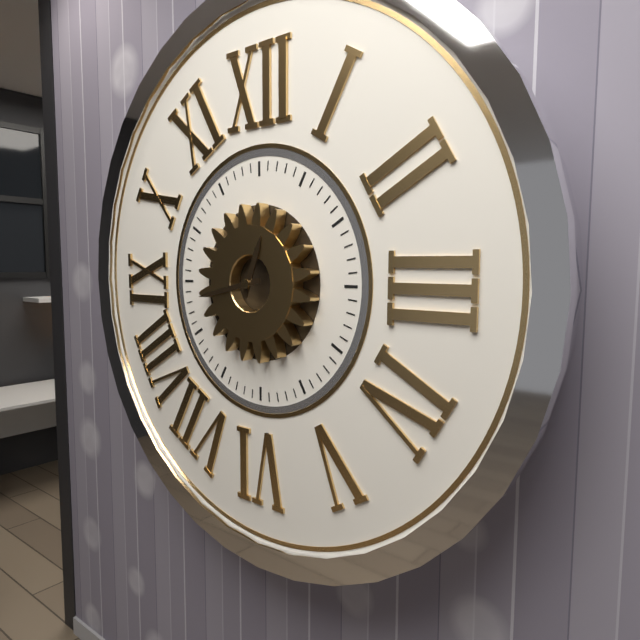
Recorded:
h=12 m=43
